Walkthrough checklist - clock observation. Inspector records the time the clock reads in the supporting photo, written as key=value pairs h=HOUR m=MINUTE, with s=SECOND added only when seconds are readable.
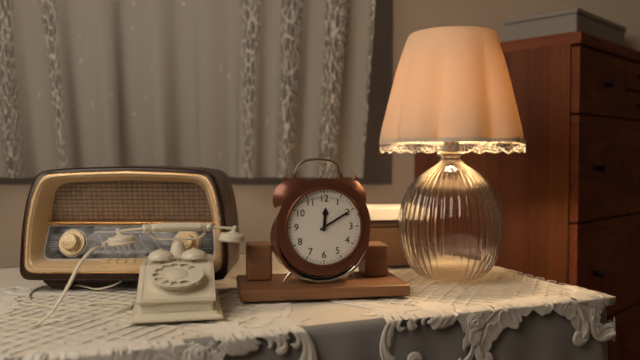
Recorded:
h=12 m=10
